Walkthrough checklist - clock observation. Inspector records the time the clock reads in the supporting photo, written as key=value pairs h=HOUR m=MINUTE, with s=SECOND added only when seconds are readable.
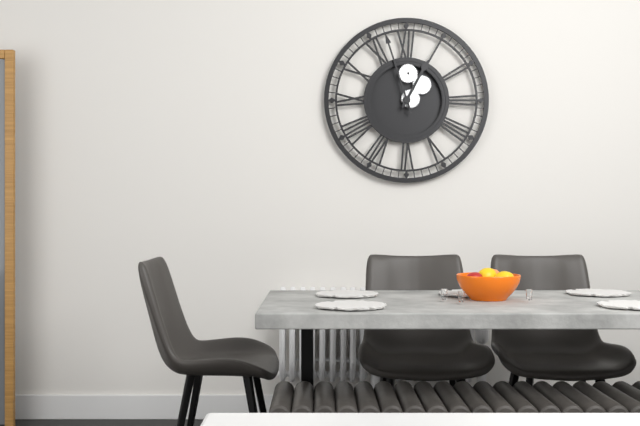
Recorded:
h=12 m=57
